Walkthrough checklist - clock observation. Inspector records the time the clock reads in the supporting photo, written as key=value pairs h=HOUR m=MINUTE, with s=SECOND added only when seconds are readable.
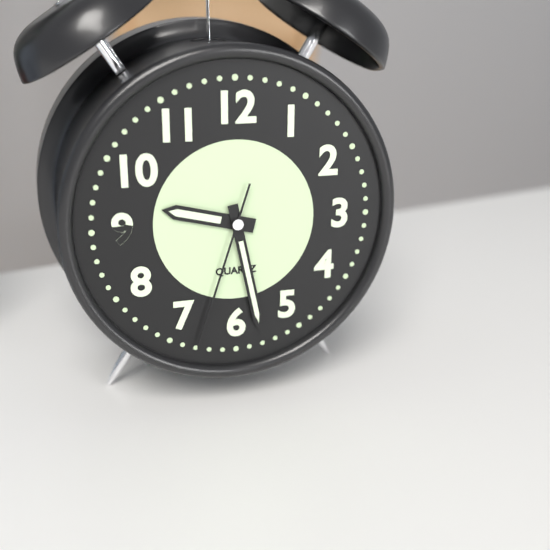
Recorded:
h=9 m=28 s=33
